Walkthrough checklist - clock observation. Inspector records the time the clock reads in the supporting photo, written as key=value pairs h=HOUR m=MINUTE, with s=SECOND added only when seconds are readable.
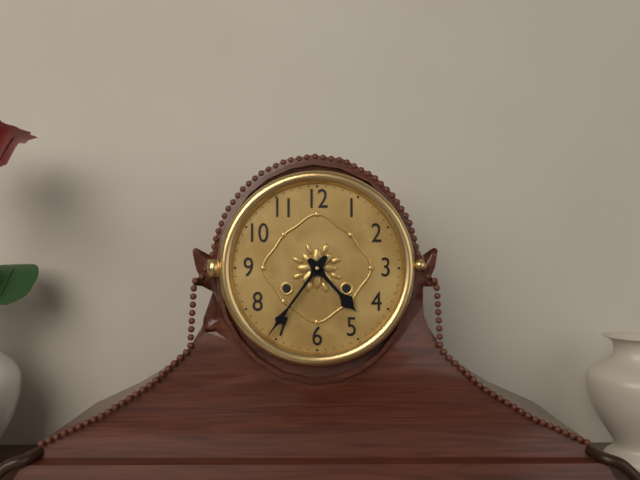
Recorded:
h=4 m=36
